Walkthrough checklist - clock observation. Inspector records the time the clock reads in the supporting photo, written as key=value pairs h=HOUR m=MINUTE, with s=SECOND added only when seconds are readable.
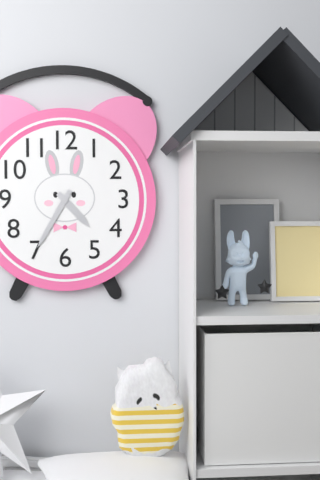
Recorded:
h=4 m=35
